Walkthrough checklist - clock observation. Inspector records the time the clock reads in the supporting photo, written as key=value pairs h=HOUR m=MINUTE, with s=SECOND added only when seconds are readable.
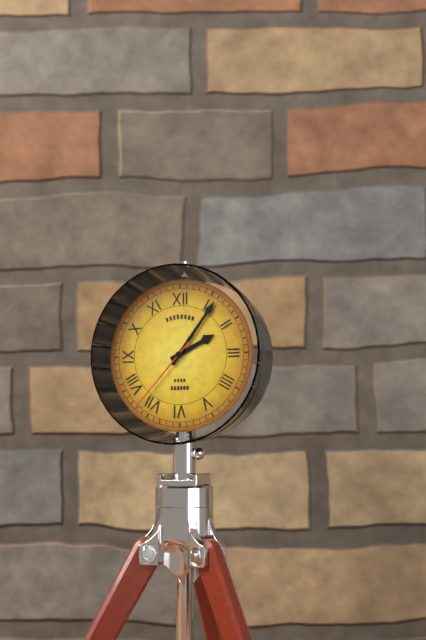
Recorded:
h=2 m=6 s=37
